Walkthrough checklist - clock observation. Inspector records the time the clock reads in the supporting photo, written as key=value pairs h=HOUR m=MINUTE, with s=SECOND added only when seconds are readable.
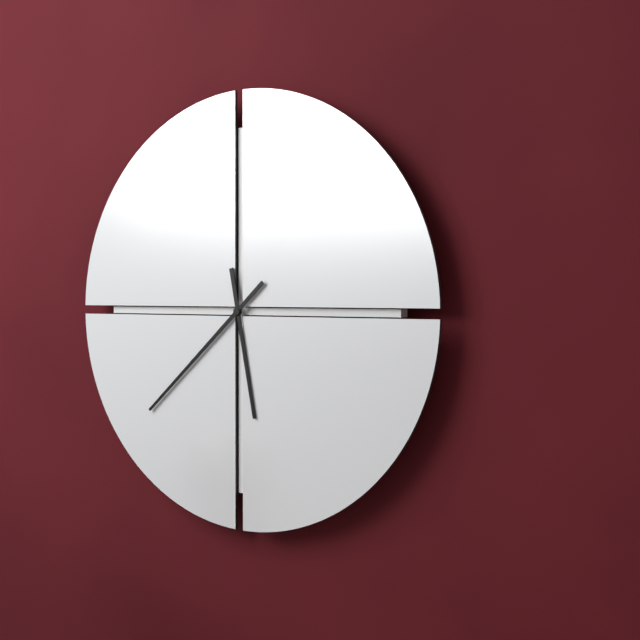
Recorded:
h=5 m=38
